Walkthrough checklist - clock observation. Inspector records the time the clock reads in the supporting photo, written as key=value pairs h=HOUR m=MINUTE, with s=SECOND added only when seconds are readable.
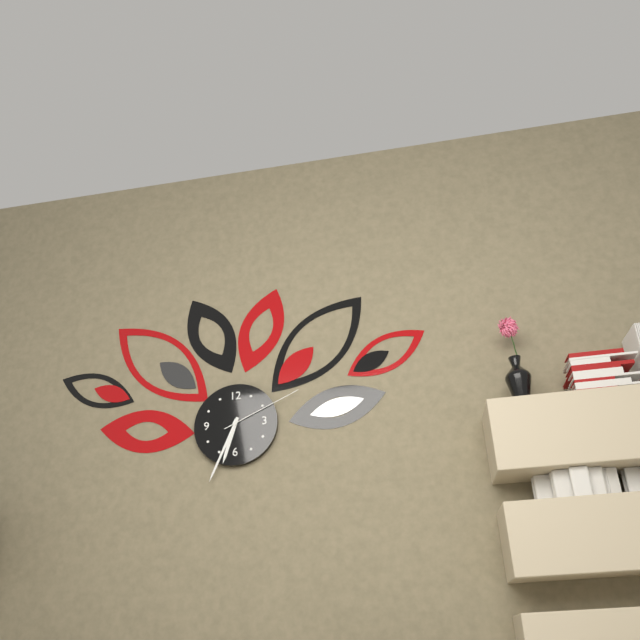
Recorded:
h=6 m=34 s=11
